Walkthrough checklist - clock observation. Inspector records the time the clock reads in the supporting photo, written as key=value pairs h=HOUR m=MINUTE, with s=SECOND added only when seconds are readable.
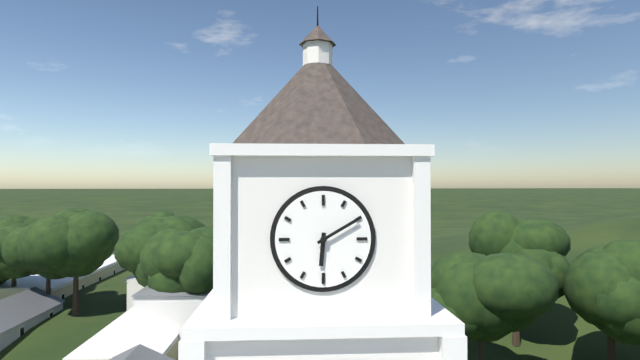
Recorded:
h=6 m=10
